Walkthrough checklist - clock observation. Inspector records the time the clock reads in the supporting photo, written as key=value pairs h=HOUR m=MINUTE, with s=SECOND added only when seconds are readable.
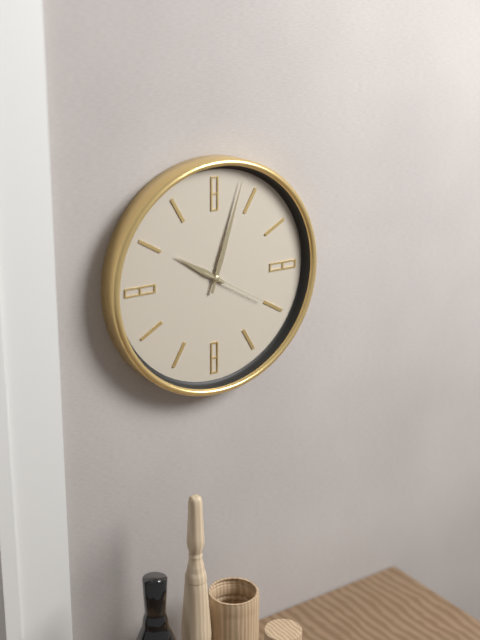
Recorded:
h=10 m=3 s=20
